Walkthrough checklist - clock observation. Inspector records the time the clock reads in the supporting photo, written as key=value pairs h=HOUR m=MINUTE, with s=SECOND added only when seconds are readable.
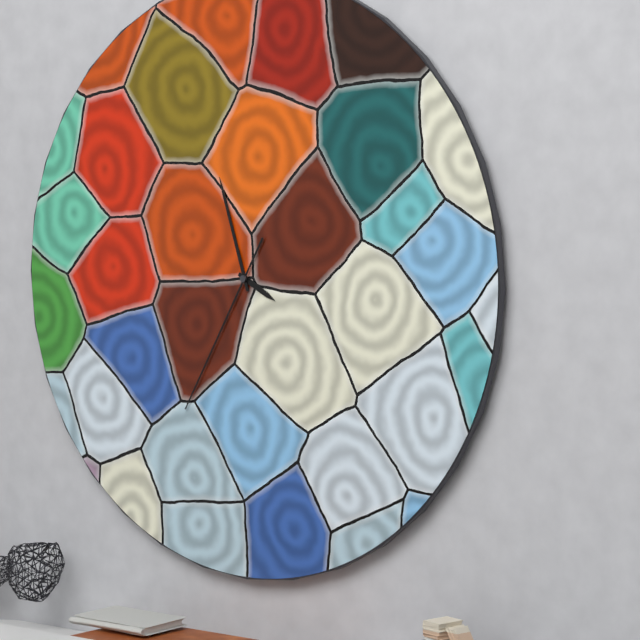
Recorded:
h=3 m=57 s=35
